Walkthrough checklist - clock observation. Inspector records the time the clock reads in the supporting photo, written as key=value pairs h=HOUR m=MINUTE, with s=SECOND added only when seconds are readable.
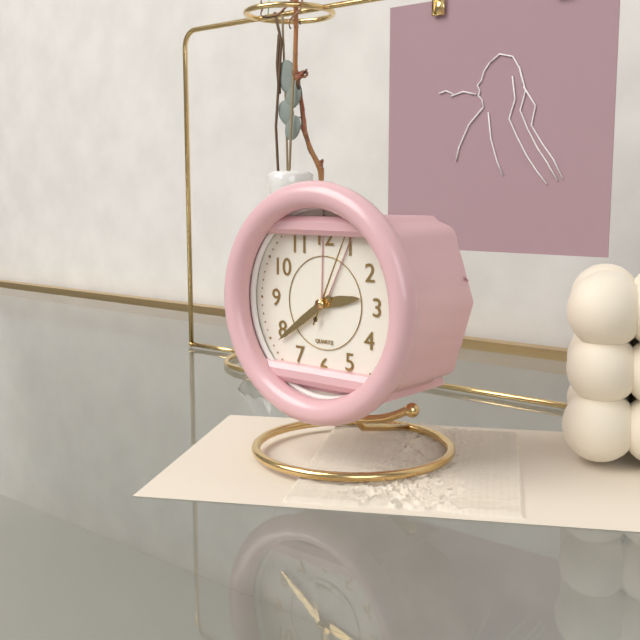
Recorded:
h=2 m=39 s=4
